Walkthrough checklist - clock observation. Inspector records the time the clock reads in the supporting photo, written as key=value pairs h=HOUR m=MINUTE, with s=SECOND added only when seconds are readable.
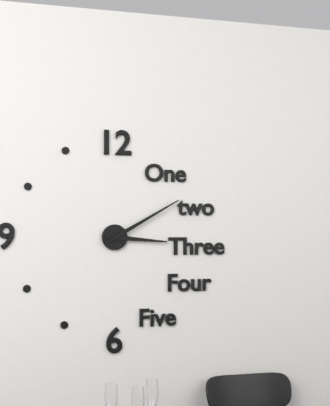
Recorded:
h=3 m=10
